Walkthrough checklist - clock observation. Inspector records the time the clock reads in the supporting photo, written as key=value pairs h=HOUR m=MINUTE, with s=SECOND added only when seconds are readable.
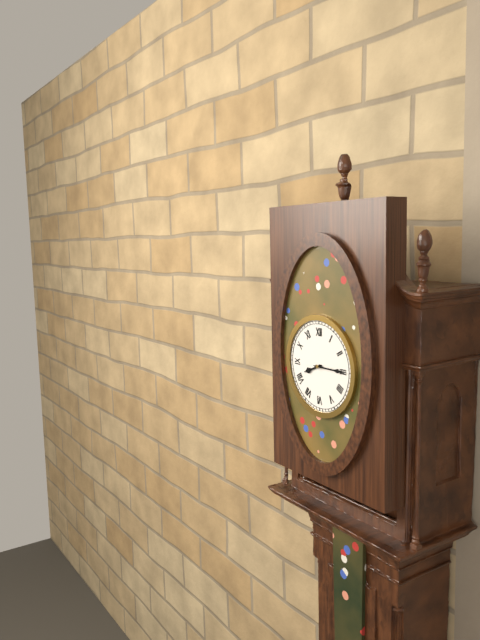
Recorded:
h=8 m=15
